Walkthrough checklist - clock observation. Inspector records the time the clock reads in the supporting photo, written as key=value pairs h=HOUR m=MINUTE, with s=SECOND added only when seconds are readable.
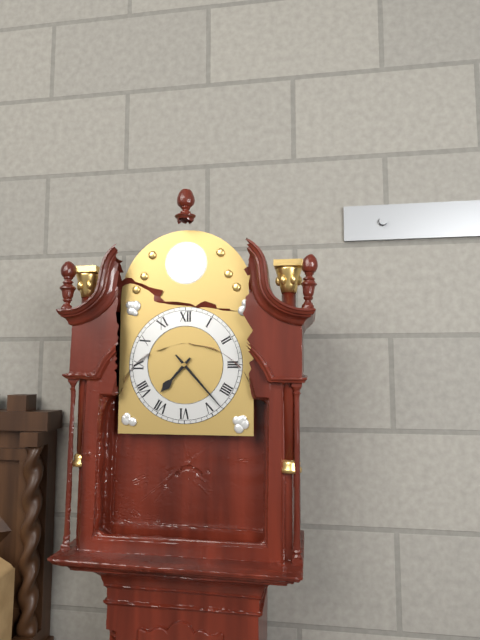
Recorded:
h=7 m=23
